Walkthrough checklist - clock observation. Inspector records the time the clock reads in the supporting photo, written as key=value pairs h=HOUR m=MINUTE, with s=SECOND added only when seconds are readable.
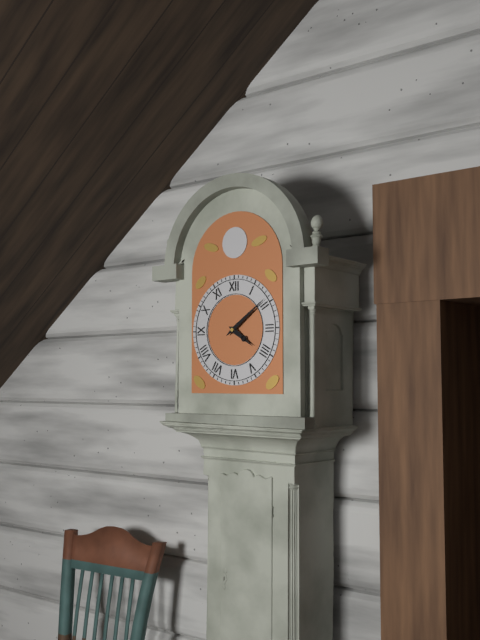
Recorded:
h=4 m=9
